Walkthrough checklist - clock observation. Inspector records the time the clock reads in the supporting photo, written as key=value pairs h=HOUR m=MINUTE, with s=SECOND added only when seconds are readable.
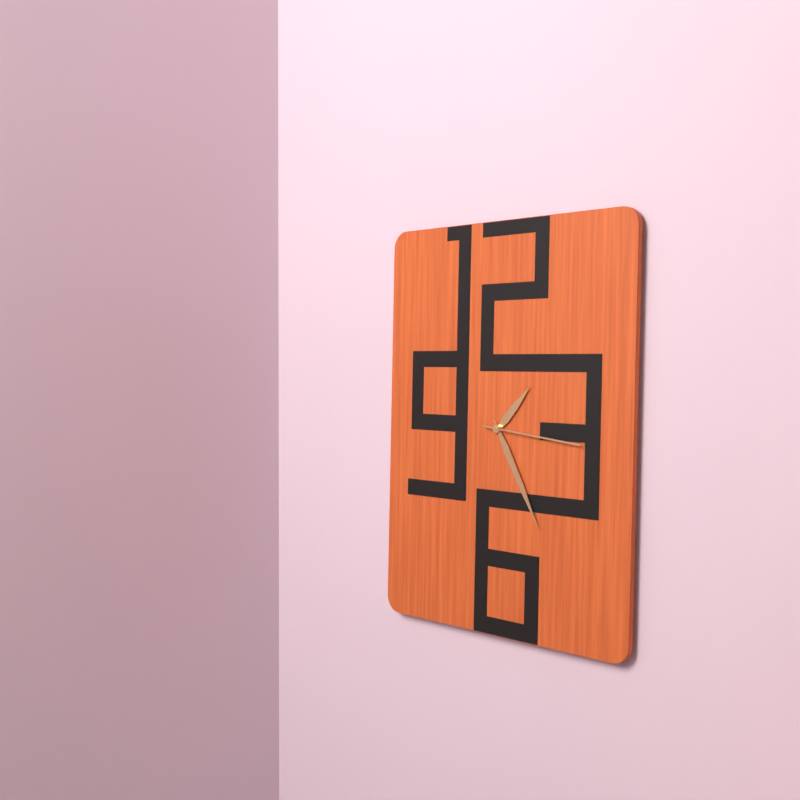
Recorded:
h=1 m=25 s=16
